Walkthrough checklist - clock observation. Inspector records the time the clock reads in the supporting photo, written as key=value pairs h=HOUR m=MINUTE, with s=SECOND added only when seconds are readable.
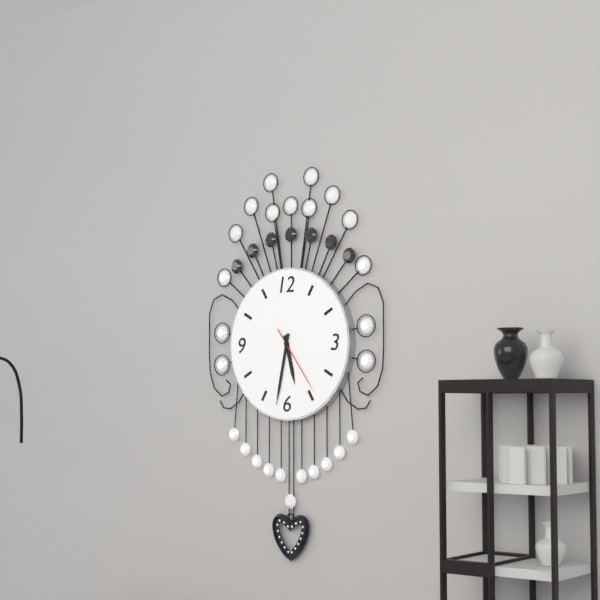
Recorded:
h=5 m=32 s=24
